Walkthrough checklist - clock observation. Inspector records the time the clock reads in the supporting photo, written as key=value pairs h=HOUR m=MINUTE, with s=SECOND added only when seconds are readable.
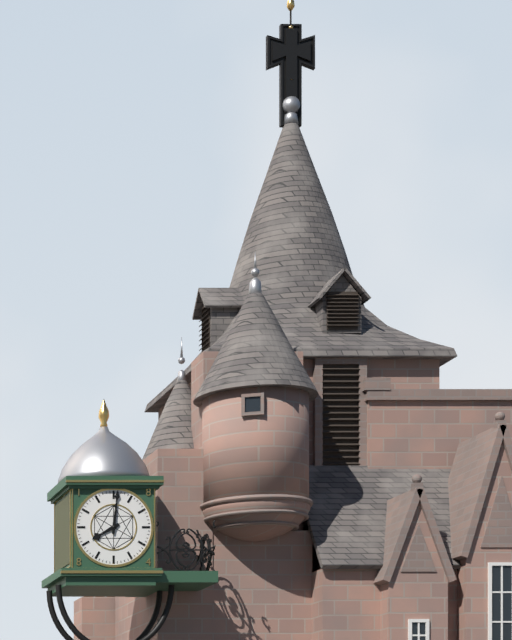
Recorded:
h=8 m=1
